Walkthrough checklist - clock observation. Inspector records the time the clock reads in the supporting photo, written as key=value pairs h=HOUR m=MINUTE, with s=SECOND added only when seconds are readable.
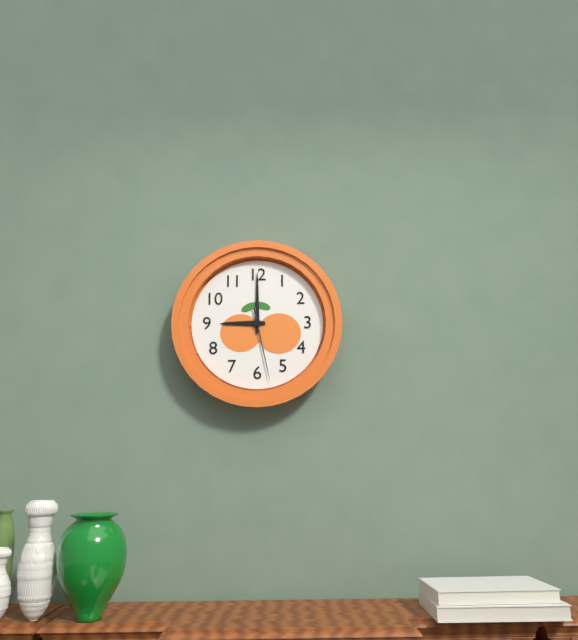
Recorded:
h=9 m=0 s=28
